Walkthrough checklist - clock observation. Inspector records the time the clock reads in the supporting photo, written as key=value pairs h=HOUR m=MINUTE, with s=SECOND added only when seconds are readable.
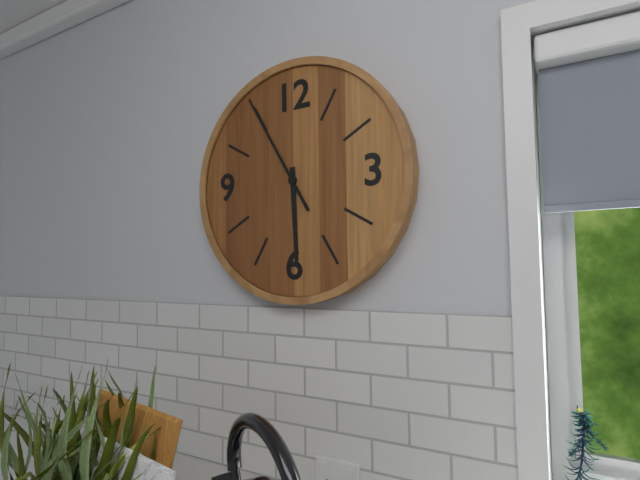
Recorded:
h=5 m=55
